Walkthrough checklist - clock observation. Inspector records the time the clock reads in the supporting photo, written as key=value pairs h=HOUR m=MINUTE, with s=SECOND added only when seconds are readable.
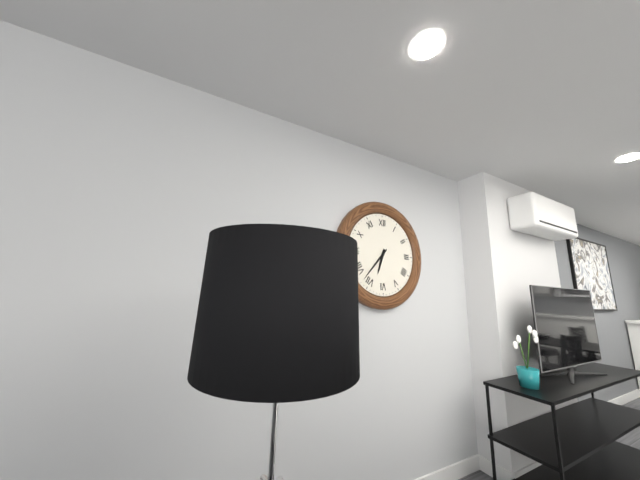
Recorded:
h=6 m=37
